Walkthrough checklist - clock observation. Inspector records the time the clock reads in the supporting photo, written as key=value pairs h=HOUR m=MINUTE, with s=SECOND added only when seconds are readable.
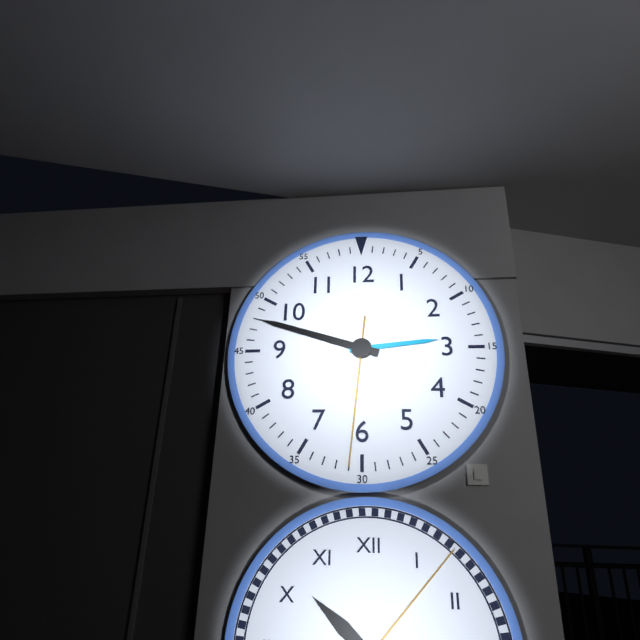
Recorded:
h=2 m=48 s=31
